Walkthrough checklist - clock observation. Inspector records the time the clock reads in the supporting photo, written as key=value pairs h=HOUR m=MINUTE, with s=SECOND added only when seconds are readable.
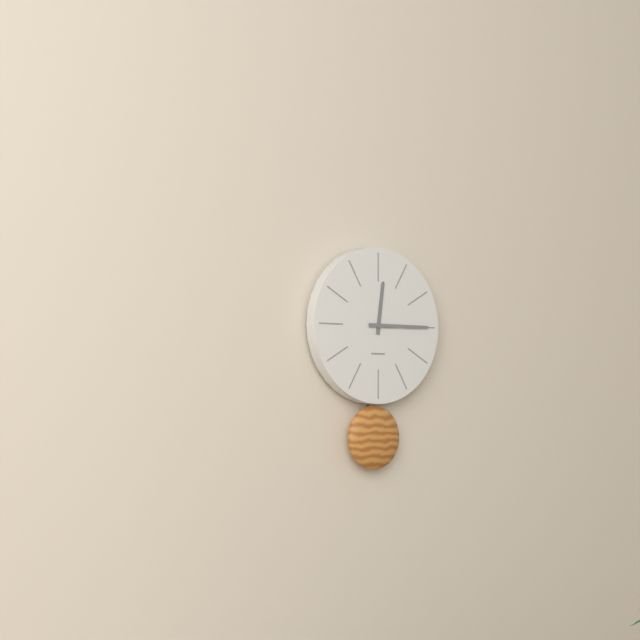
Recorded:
h=12 m=15
